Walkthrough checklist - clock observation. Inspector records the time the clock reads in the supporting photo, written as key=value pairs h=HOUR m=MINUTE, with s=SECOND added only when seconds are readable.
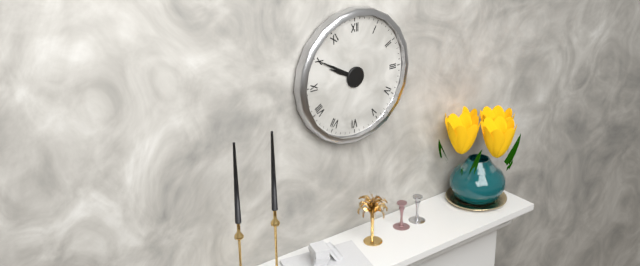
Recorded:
h=9 m=50
